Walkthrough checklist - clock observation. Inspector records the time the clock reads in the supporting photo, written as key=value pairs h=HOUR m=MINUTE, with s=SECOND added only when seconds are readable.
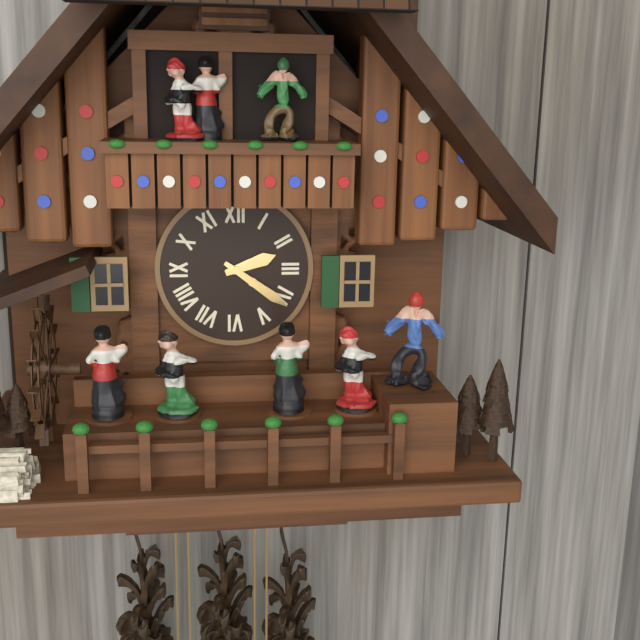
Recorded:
h=2 m=21
